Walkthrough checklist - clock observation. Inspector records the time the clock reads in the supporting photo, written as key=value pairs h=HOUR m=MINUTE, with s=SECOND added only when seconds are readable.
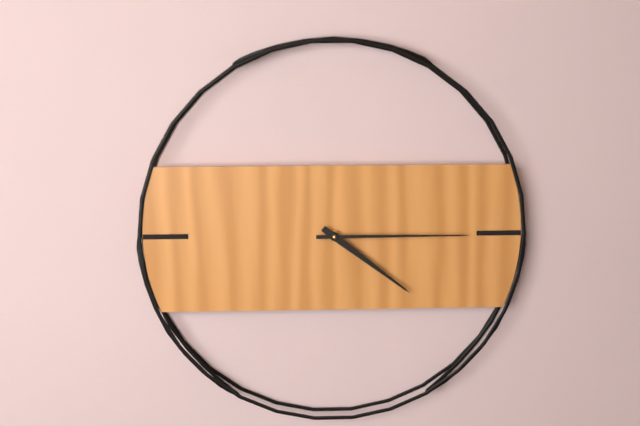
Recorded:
h=4 m=15
